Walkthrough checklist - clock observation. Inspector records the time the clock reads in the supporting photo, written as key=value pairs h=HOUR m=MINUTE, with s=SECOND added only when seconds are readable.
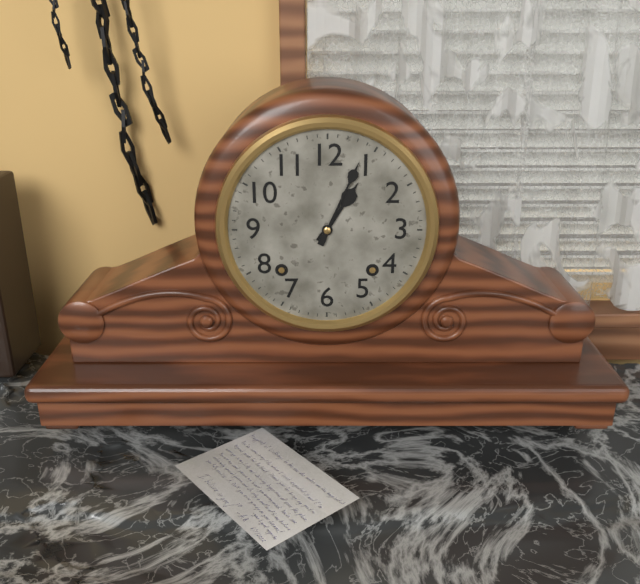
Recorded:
h=1 m=4
